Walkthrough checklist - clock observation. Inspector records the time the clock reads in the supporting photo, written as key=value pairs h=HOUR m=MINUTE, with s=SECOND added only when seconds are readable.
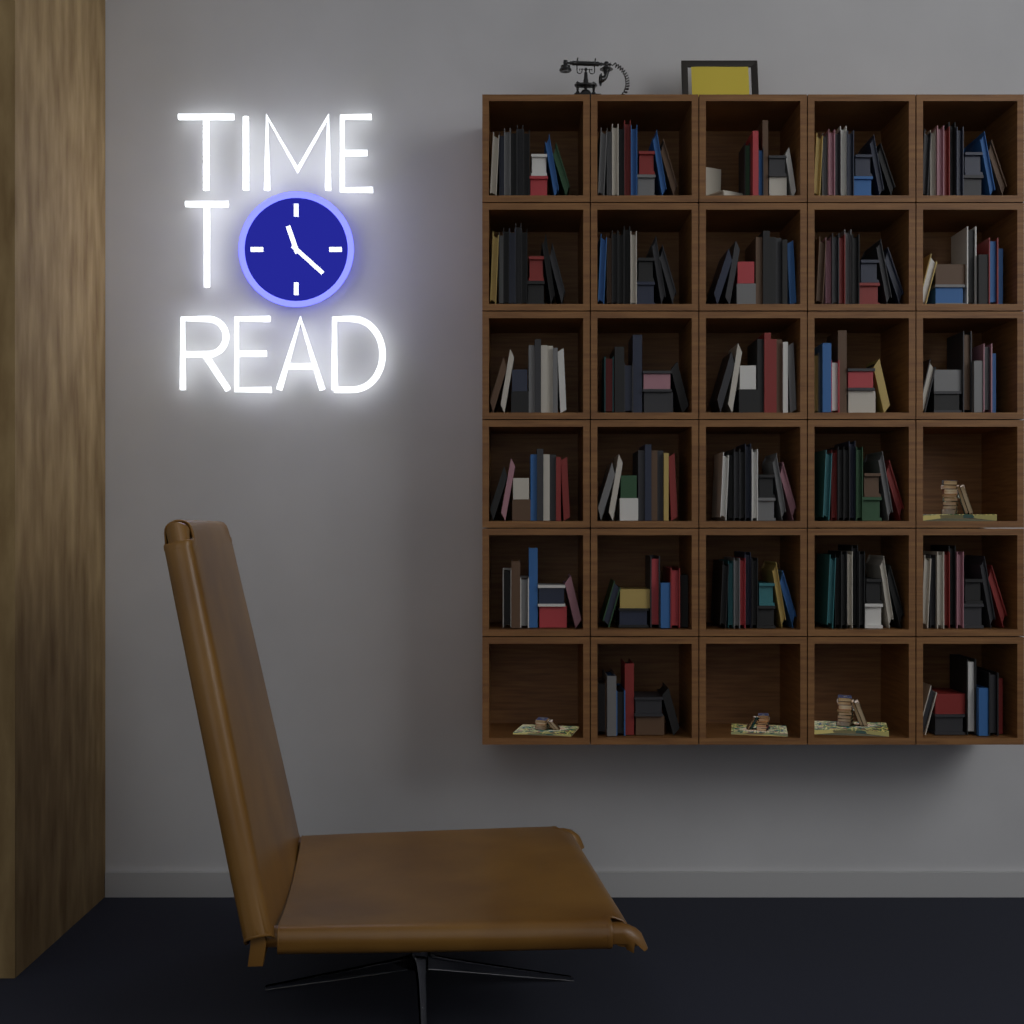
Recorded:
h=11 m=22
